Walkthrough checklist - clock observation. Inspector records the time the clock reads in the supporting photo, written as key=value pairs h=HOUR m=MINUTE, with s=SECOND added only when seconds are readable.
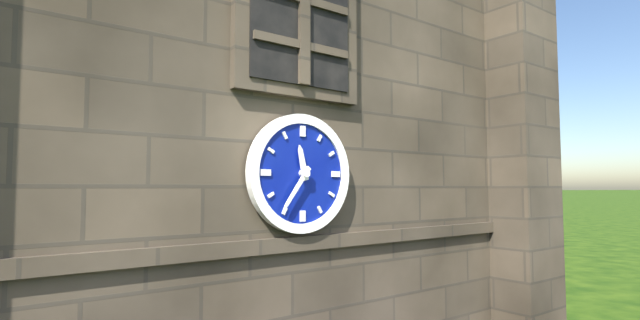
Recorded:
h=11 m=36
